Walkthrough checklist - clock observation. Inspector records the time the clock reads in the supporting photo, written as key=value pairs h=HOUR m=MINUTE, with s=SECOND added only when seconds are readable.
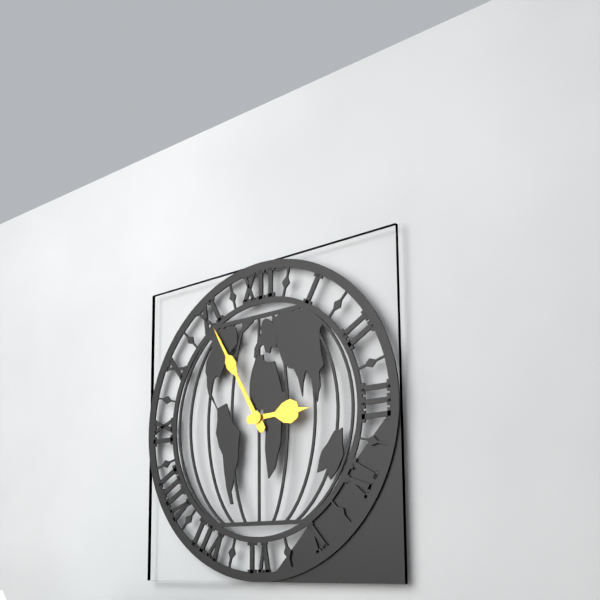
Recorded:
h=2 m=55
